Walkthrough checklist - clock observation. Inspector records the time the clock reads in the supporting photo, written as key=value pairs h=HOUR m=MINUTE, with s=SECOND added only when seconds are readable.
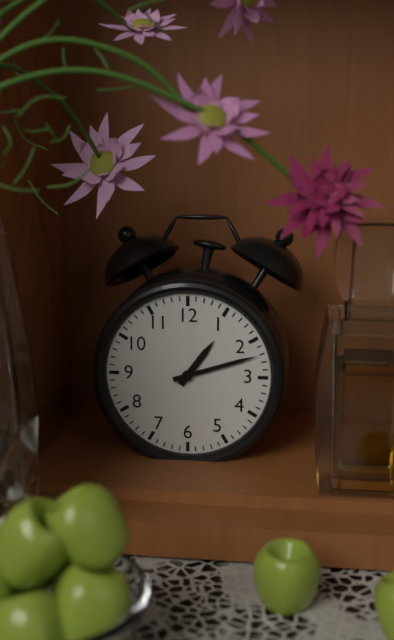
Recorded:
h=1 m=12
